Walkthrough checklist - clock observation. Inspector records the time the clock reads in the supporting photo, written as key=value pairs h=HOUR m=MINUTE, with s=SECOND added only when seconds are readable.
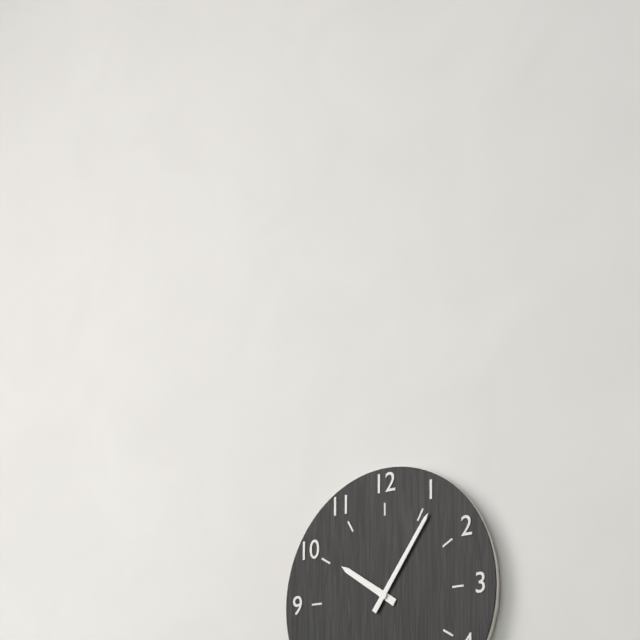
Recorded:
h=10 m=6
